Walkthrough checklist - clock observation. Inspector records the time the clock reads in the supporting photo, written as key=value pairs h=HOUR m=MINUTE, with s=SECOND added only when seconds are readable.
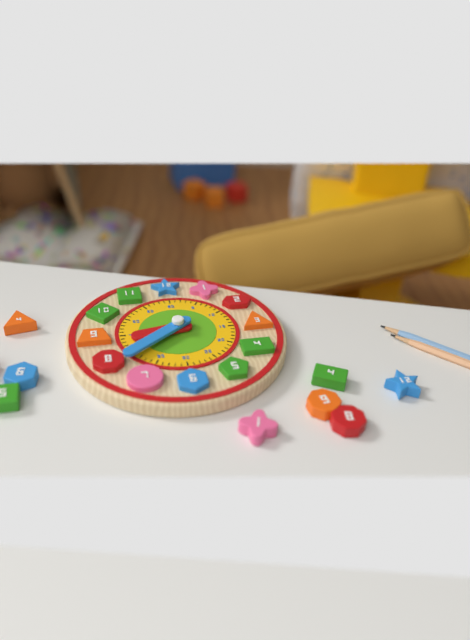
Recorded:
h=8 m=39
